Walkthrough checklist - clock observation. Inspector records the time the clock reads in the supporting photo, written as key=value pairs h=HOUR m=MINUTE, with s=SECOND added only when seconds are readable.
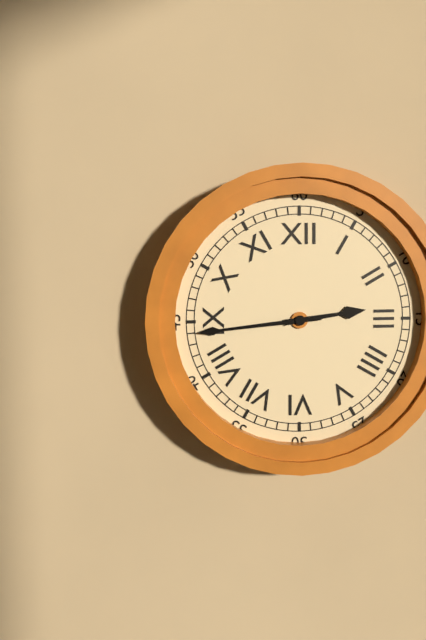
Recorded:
h=2 m=44
